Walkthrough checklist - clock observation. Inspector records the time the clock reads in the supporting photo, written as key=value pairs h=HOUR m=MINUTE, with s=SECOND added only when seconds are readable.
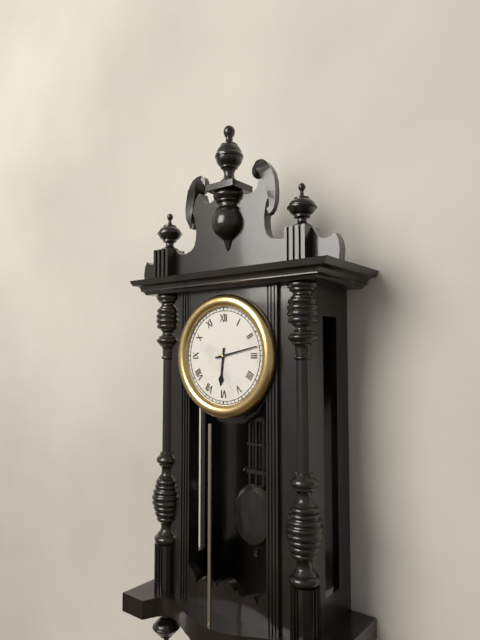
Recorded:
h=6 m=13
